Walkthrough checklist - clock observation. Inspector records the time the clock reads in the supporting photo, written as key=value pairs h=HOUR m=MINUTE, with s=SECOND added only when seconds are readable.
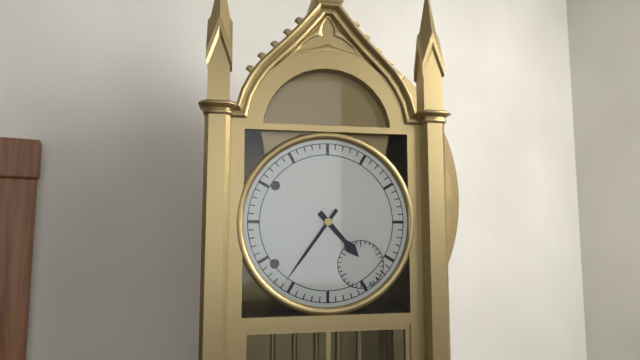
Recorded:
h=4 m=36
